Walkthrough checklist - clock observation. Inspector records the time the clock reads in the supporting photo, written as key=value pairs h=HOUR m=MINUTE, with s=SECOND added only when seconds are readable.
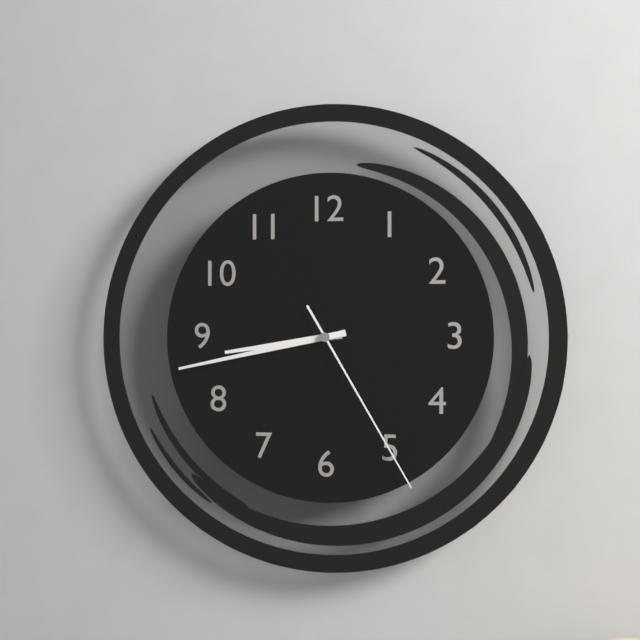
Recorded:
h=8 m=43 s=25
